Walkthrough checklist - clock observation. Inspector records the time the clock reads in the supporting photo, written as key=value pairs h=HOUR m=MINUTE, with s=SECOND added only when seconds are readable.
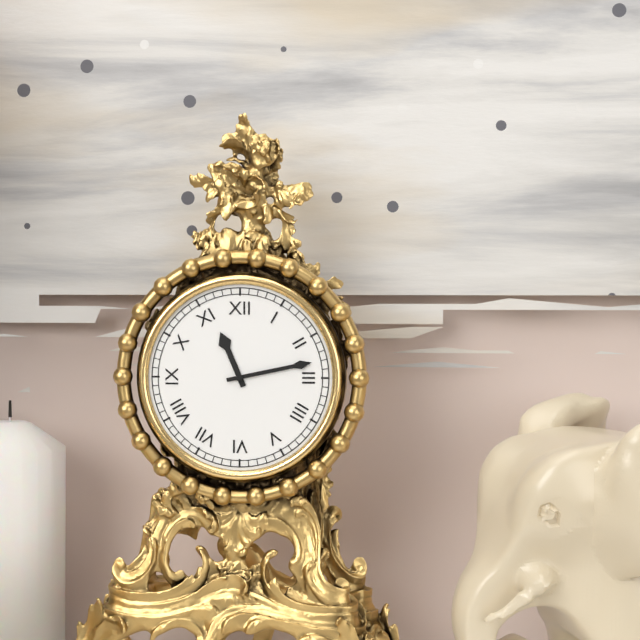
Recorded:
h=11 m=13
